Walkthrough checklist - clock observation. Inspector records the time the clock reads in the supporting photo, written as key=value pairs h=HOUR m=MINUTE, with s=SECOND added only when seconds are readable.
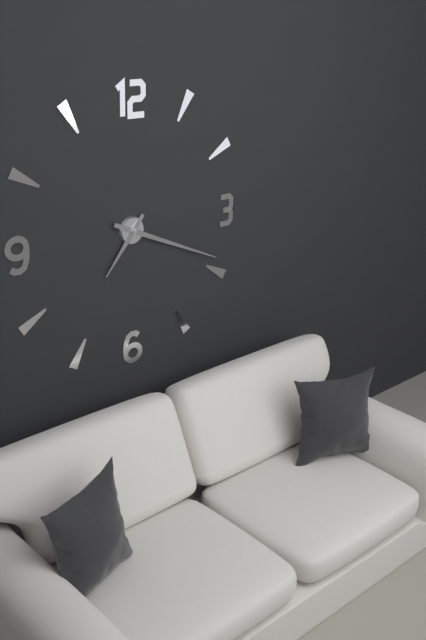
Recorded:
h=7 m=19
